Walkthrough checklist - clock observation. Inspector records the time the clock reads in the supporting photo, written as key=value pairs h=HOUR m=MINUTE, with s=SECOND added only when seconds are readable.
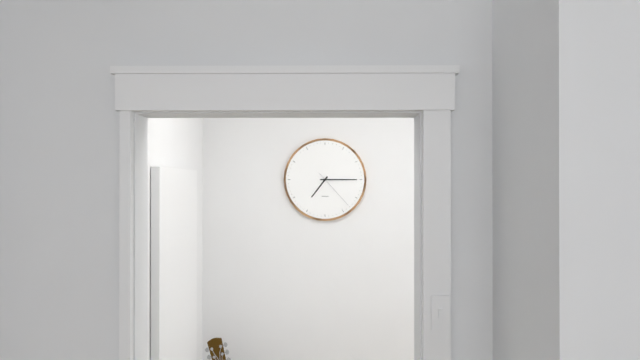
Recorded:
h=7 m=15
